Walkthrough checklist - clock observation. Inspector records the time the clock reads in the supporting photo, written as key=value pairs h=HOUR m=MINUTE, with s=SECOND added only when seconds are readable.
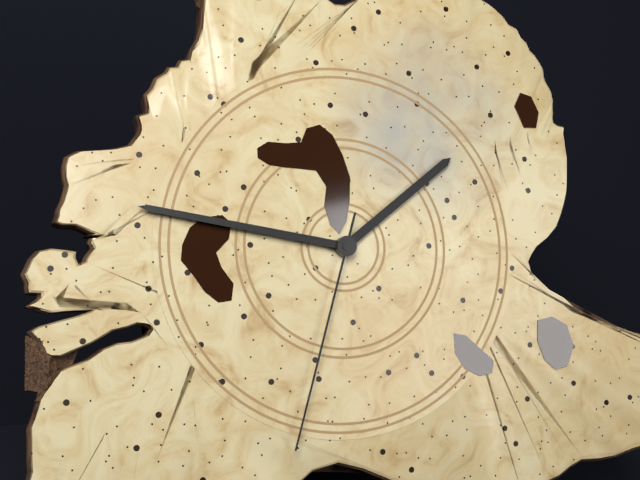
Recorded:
h=1 m=47 s=33
